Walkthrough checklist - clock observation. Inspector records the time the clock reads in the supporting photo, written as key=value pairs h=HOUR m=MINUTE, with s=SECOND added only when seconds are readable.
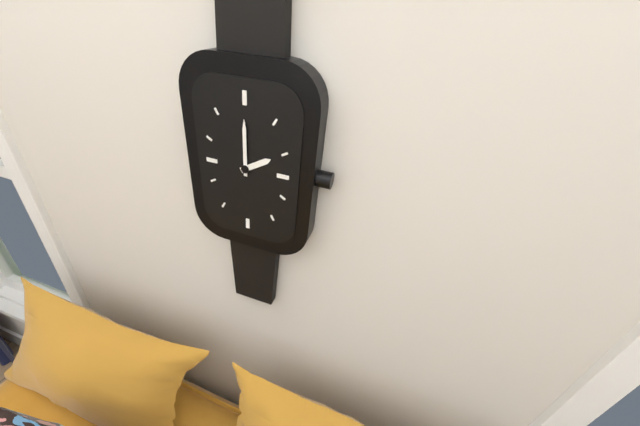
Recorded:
h=2 m=0
